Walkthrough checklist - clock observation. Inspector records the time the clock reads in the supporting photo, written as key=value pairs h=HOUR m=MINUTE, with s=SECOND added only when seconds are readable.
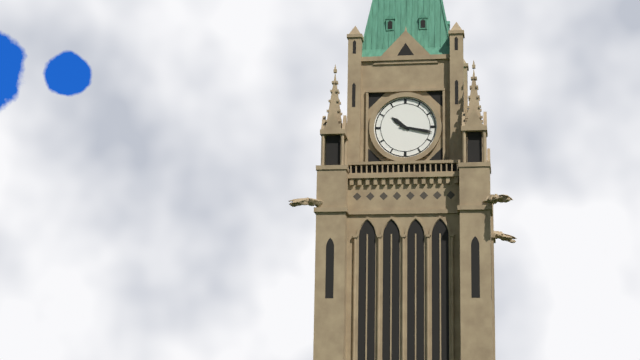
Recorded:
h=10 m=17
